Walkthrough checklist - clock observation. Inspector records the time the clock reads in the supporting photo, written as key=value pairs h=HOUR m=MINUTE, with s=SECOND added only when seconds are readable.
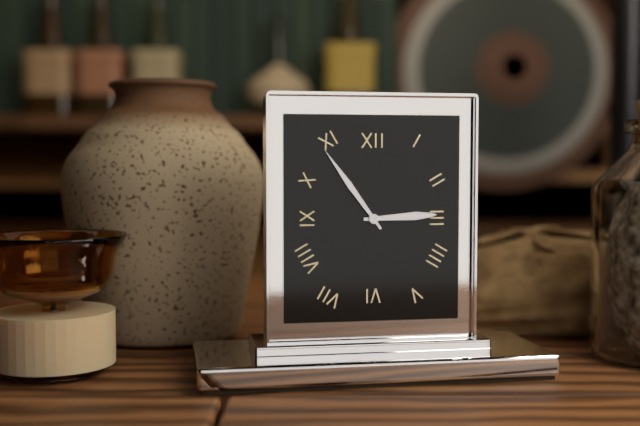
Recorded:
h=2 m=54
